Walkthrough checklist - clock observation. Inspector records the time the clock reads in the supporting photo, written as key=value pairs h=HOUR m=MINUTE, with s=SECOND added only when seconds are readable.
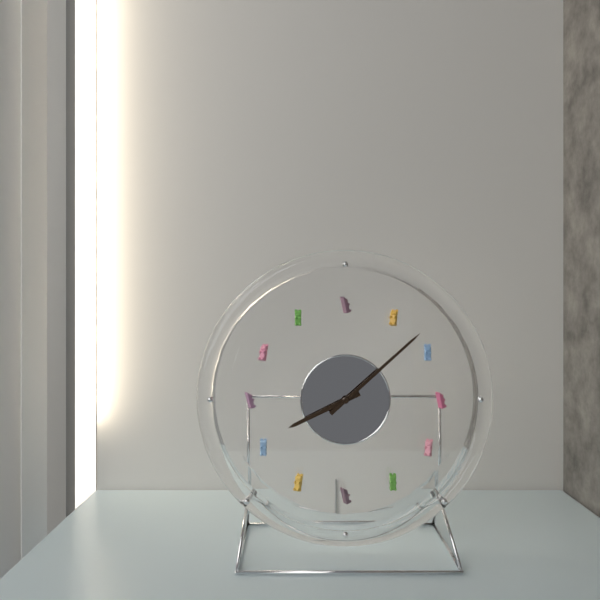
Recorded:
h=8 m=8
